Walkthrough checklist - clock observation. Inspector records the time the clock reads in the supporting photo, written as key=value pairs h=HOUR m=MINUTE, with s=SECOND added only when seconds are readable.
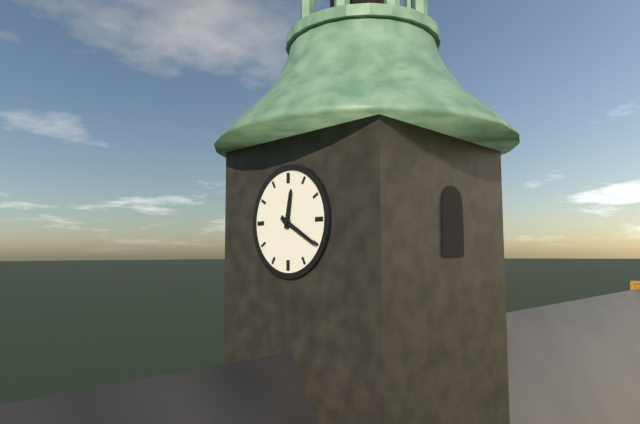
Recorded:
h=12 m=20
